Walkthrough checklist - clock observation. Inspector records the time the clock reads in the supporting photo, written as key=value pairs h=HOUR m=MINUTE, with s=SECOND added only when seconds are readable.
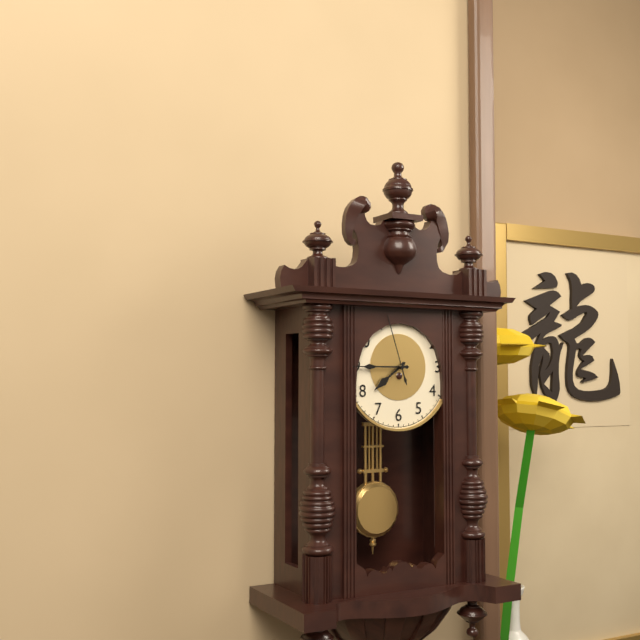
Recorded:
h=7 m=45 s=57
